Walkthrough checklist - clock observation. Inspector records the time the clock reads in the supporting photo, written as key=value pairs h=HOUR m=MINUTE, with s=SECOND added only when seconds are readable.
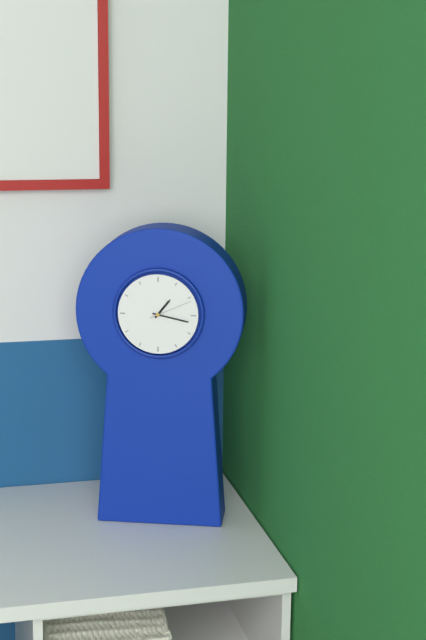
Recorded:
h=1 m=17
